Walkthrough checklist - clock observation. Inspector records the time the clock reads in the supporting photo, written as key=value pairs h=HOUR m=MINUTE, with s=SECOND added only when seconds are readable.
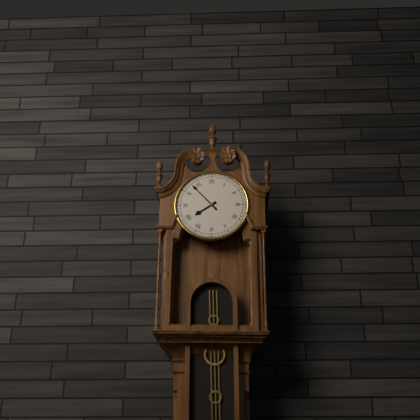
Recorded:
h=7 m=53
